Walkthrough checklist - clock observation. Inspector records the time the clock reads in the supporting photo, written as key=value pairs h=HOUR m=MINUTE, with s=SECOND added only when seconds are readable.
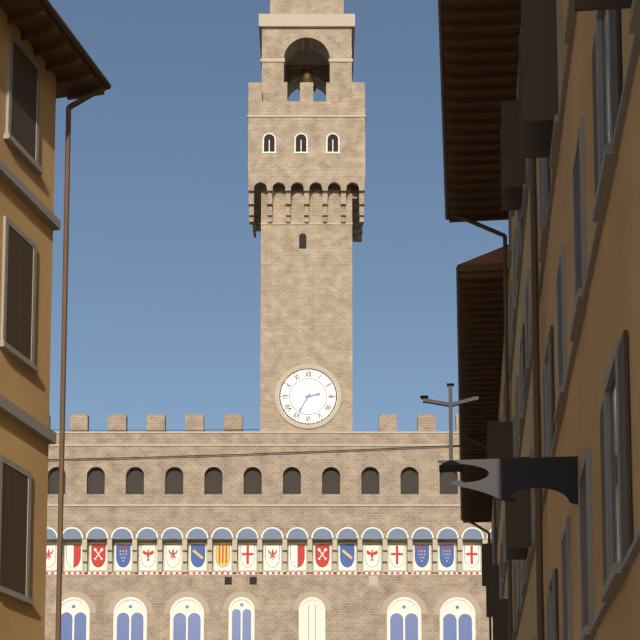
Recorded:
h=2 m=35
